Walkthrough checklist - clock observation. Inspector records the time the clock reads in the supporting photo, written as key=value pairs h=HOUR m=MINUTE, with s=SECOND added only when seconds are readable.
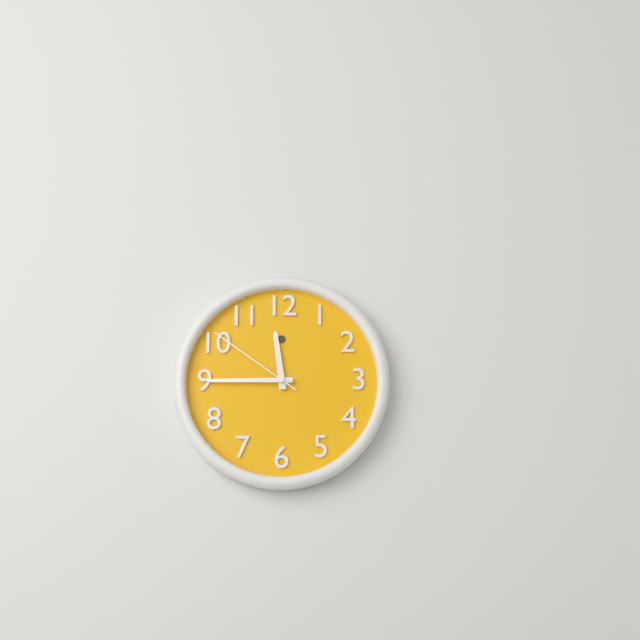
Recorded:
h=11 m=45 s=51
